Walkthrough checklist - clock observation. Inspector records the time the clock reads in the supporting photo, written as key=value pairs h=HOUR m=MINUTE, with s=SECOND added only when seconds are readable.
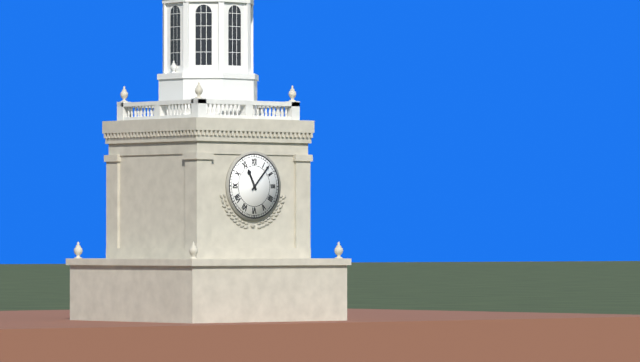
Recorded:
h=11 m=7
